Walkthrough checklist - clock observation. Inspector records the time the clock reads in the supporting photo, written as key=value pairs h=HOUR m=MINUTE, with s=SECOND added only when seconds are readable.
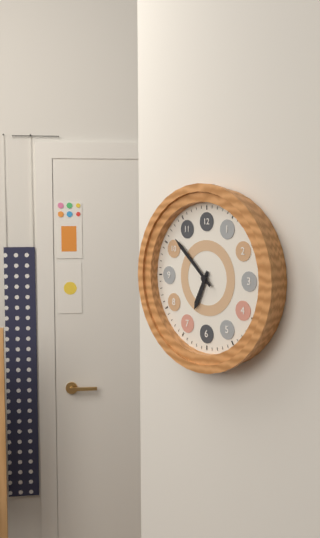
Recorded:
h=6 m=52
